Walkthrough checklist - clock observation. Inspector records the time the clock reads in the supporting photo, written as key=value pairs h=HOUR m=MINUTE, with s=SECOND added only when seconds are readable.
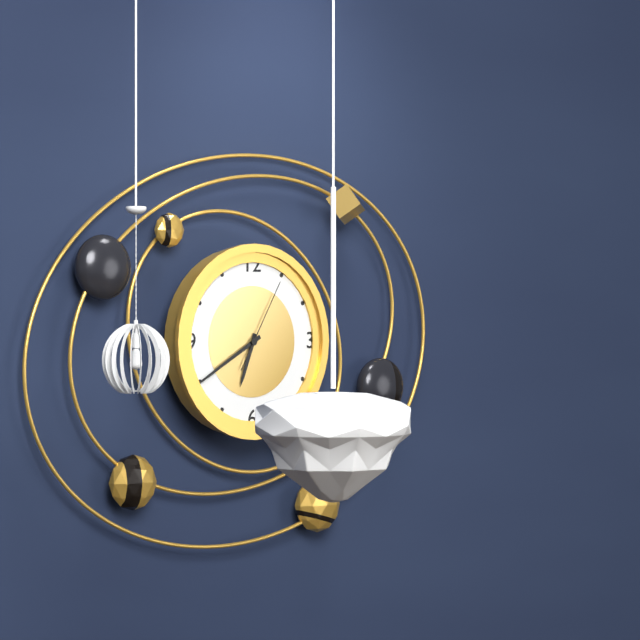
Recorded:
h=6 m=40 s=5
